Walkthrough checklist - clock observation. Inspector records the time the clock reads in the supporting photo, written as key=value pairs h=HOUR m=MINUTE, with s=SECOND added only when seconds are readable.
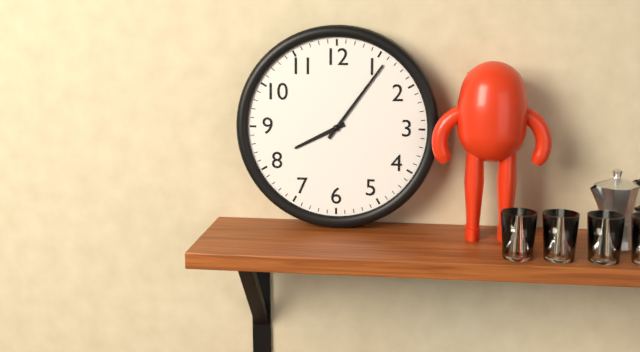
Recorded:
h=8 m=6
